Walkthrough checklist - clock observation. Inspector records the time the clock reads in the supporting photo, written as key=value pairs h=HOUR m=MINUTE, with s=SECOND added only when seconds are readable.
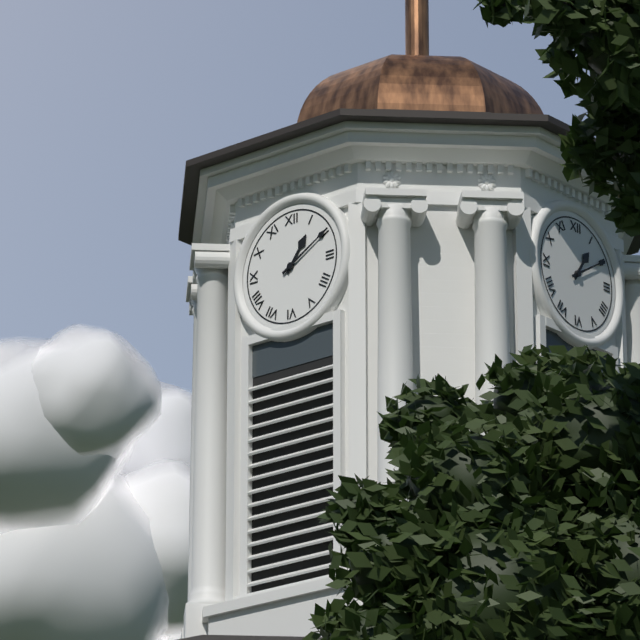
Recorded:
h=1 m=10
